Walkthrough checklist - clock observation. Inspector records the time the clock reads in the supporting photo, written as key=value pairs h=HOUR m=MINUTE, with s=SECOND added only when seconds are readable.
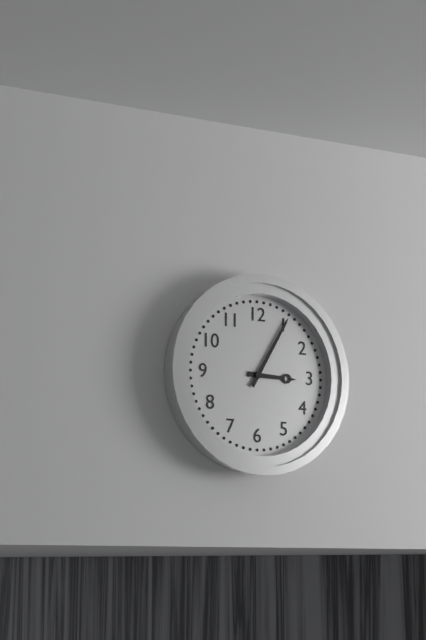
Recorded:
h=3 m=5
